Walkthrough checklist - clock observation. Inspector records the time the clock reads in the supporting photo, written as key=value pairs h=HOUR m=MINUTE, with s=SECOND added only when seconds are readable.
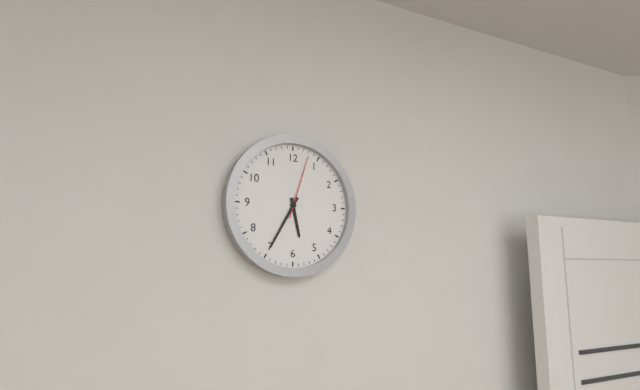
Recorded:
h=5 m=35 s=3
